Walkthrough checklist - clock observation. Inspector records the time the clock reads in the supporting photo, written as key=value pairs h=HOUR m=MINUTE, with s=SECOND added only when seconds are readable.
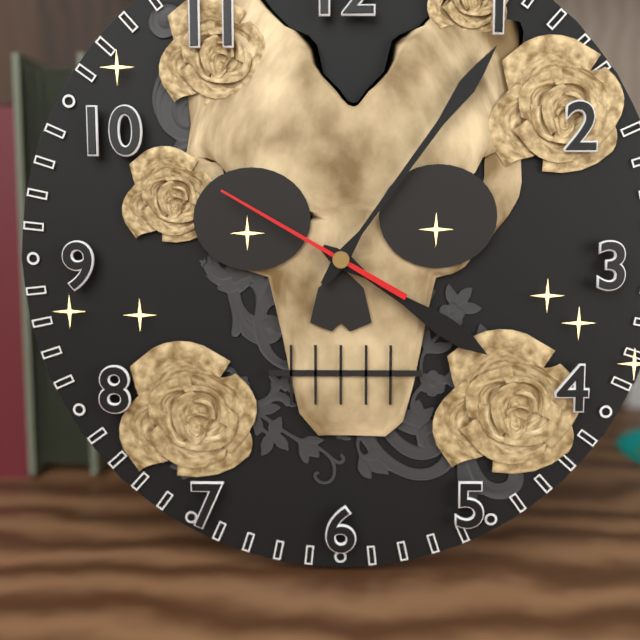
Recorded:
h=4 m=6 s=50
